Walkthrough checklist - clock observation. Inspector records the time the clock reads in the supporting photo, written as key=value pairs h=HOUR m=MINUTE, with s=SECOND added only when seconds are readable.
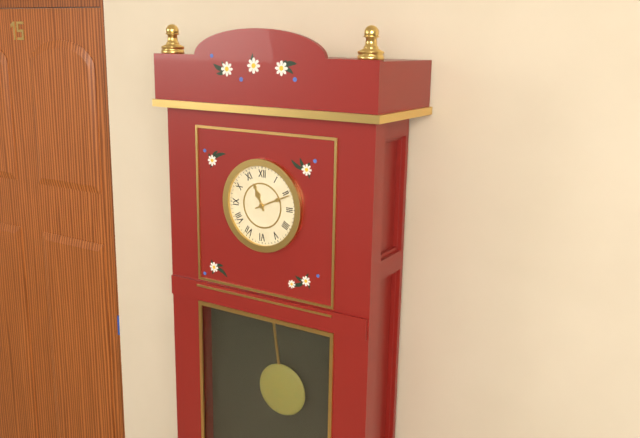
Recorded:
h=11 m=11
